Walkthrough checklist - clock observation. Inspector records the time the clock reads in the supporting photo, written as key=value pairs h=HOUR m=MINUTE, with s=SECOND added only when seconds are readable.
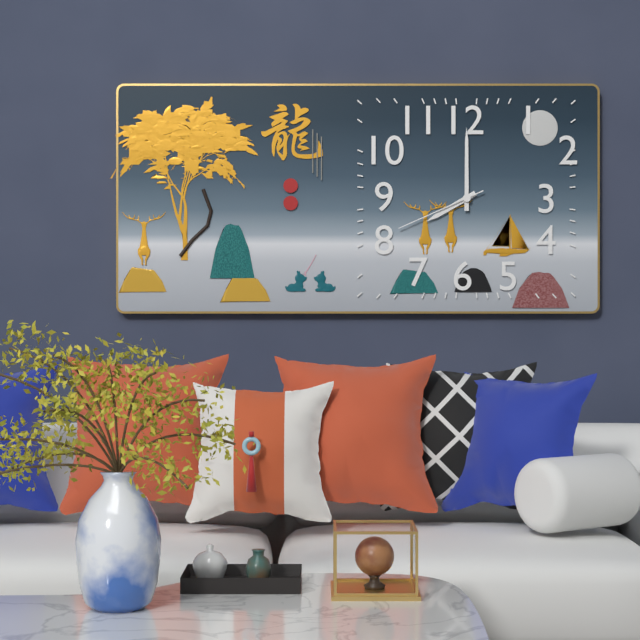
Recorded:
h=8 m=0 s=41
